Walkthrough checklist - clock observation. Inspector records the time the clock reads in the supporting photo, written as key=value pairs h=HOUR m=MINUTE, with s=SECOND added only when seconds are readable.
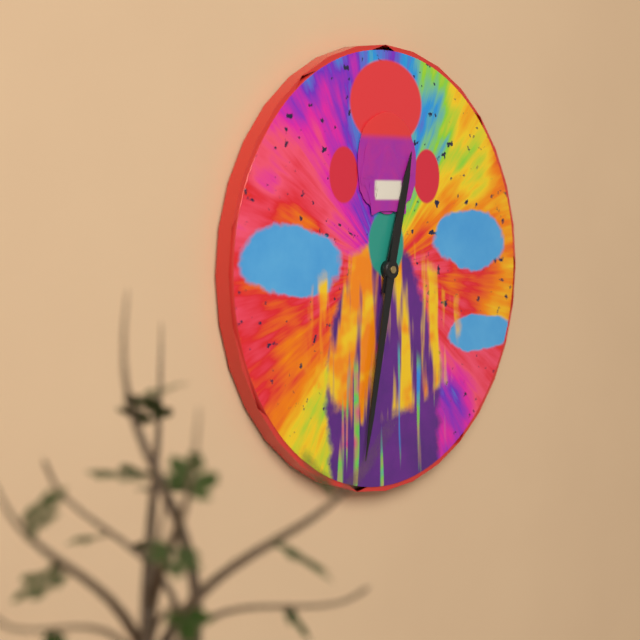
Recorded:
h=12 m=32
